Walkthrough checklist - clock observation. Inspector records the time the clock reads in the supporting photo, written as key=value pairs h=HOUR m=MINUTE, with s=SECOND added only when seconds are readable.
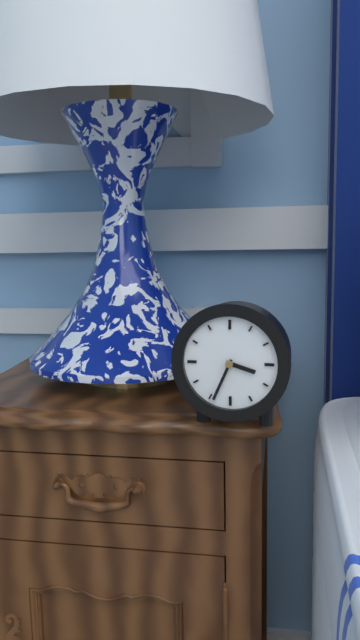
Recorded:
h=3 m=34
